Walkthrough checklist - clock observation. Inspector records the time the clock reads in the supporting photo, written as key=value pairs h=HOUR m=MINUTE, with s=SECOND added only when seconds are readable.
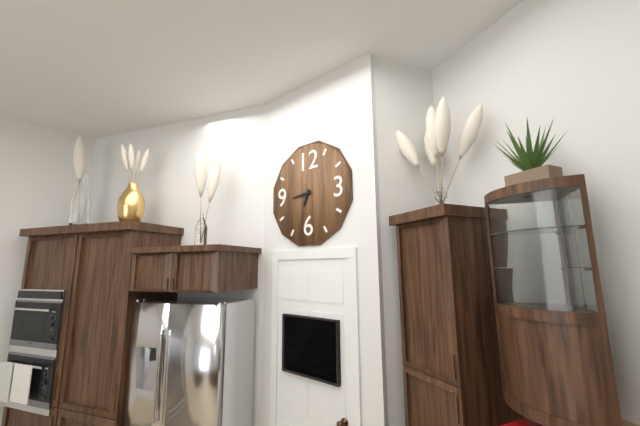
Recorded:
h=6 m=44
